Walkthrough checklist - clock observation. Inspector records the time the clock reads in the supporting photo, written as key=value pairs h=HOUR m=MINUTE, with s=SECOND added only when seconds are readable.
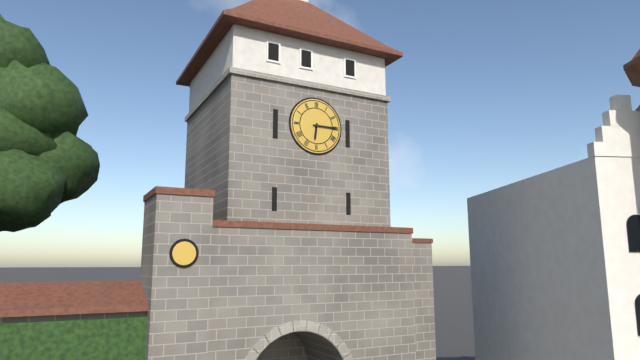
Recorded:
h=6 m=15
